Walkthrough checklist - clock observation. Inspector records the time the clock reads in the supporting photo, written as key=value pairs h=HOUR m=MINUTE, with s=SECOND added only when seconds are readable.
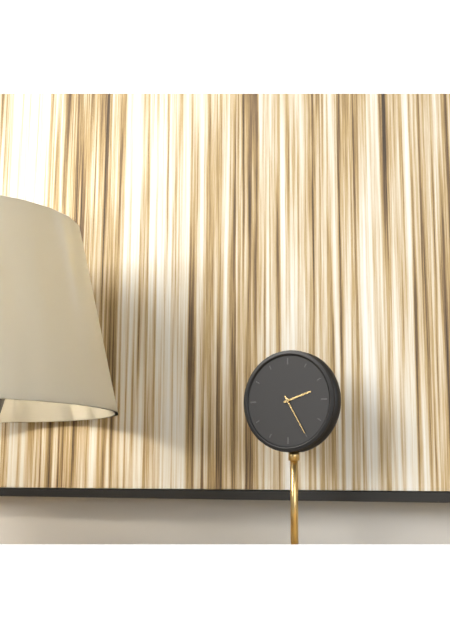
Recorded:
h=2 m=25
